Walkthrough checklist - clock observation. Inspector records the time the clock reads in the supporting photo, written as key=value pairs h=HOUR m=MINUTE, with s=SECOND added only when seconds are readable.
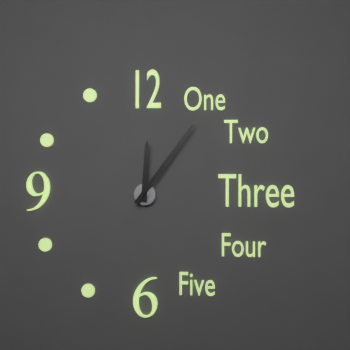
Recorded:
h=12 m=6
